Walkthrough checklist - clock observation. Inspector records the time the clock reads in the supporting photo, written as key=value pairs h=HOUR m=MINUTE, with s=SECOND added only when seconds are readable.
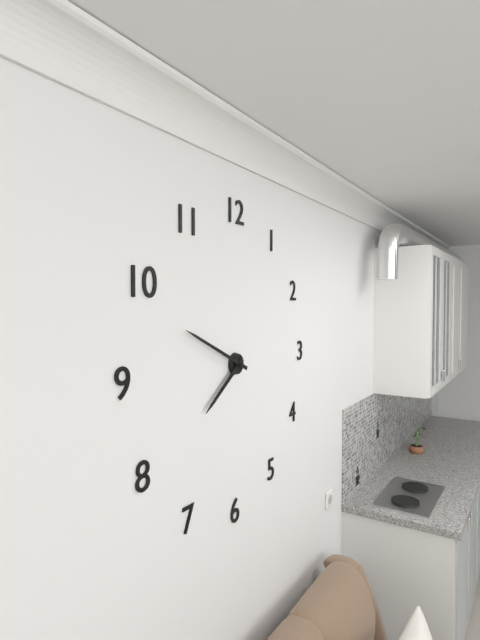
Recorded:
h=7 m=49
